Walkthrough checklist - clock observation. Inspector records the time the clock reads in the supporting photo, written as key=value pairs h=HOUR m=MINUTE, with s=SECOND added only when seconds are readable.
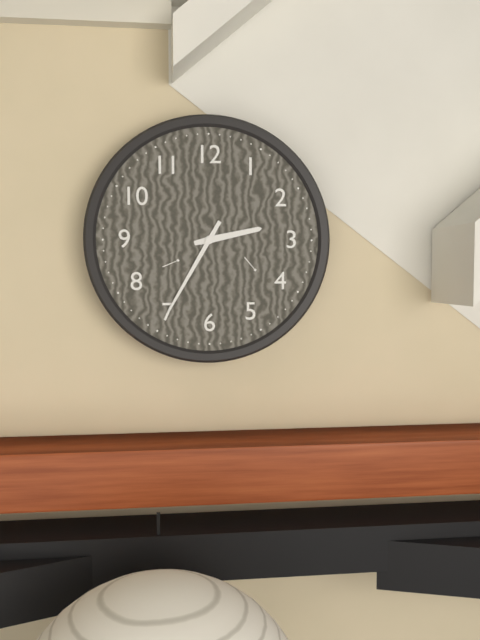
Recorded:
h=2 m=35
